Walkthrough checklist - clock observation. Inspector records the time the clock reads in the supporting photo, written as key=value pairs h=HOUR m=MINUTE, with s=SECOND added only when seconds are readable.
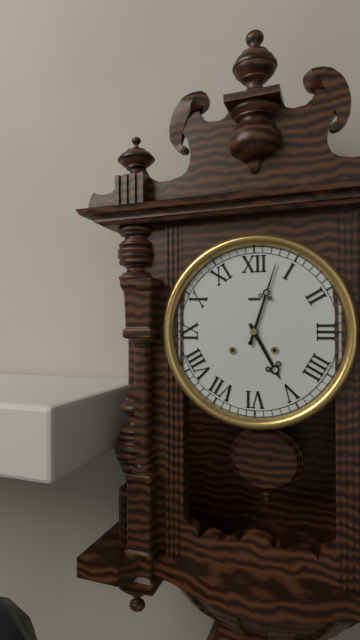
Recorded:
h=5 m=3
